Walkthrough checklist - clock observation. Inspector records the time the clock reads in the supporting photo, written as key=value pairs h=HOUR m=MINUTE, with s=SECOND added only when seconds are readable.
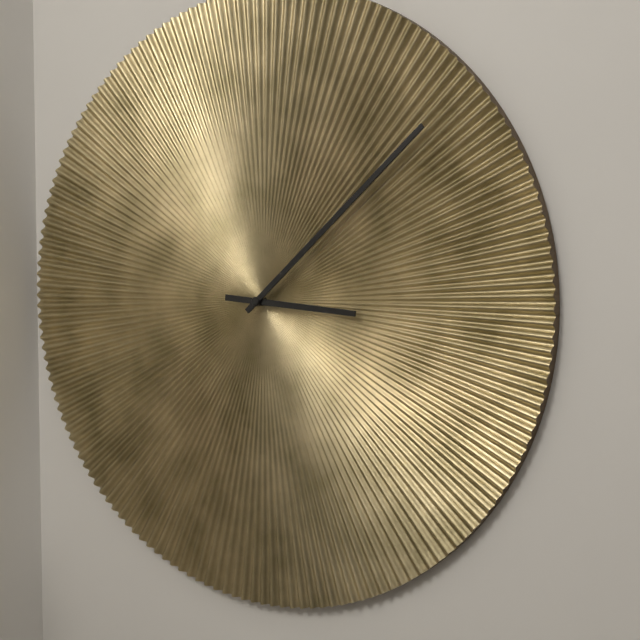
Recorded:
h=3 m=8
